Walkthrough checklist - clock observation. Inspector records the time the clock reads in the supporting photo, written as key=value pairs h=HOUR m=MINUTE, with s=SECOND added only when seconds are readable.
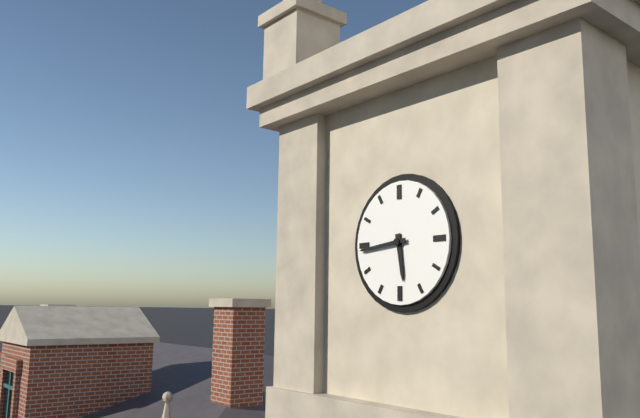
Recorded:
h=5 m=44
